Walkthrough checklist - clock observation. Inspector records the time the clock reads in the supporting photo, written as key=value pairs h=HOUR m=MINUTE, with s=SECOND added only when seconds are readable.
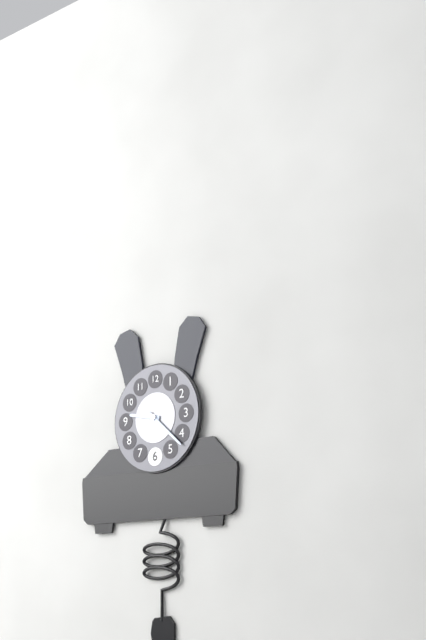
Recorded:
h=9 m=22
